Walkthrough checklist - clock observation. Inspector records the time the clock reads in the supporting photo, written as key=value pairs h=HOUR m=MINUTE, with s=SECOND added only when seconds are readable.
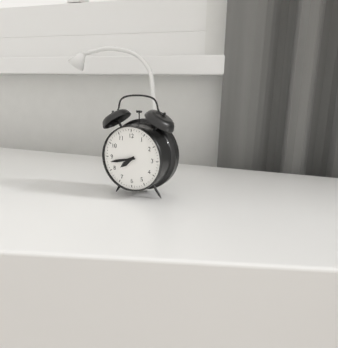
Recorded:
h=7 m=43
